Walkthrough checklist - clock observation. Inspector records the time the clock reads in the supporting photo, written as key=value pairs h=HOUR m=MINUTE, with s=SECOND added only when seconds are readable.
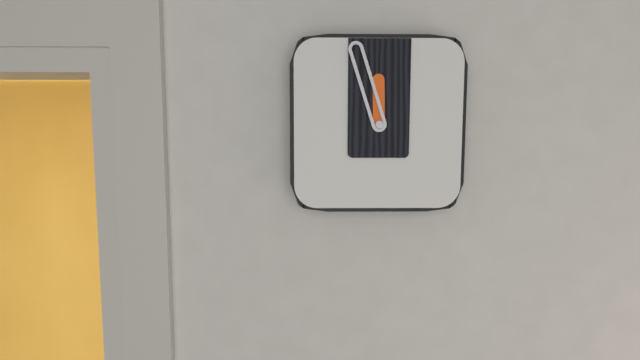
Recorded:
h=11 m=57
